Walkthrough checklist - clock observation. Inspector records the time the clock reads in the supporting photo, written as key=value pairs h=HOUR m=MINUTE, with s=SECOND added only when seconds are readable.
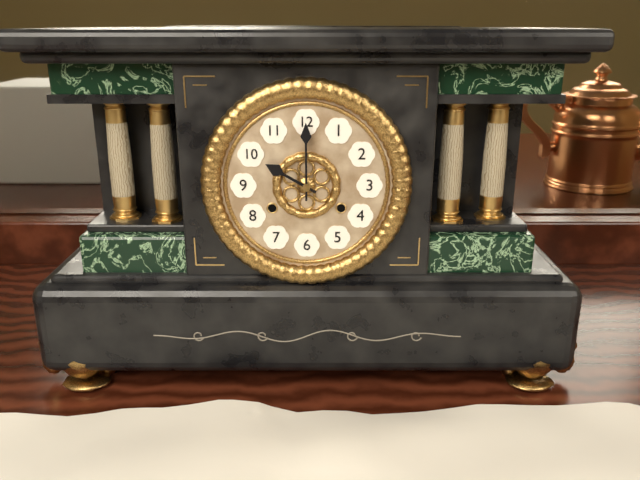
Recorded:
h=10 m=0
